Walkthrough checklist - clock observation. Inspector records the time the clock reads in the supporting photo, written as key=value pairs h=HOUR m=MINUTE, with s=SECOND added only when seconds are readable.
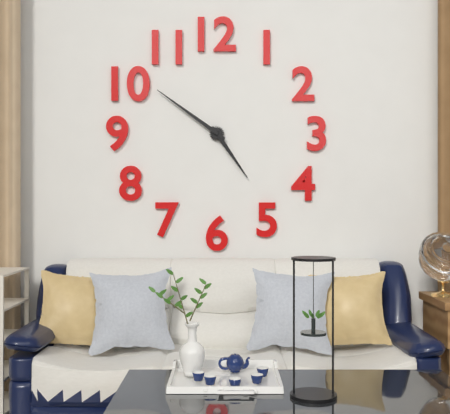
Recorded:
h=4 m=51
